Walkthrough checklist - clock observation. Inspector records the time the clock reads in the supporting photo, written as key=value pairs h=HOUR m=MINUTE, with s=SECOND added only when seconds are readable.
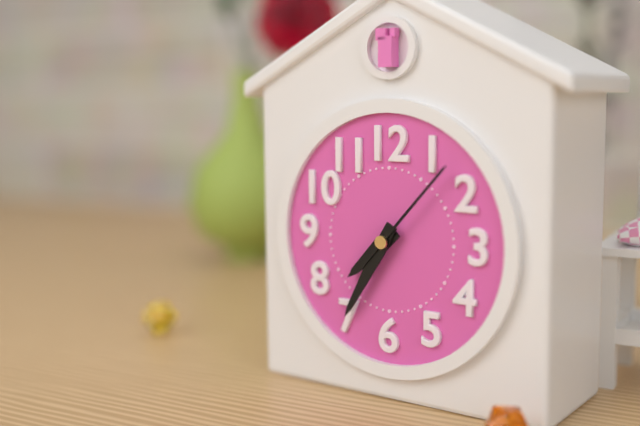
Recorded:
h=7 m=35 s=7
